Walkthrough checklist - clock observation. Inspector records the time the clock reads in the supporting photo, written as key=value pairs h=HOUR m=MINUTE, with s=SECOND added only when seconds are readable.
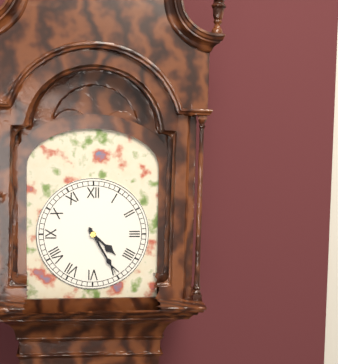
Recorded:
h=4 m=25
